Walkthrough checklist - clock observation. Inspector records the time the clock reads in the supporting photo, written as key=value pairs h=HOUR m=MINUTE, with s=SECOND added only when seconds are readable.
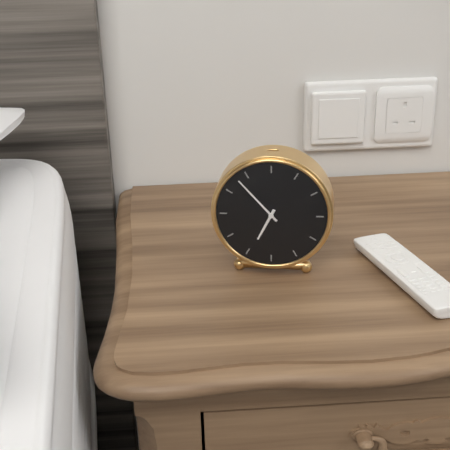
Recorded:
h=6 m=53
